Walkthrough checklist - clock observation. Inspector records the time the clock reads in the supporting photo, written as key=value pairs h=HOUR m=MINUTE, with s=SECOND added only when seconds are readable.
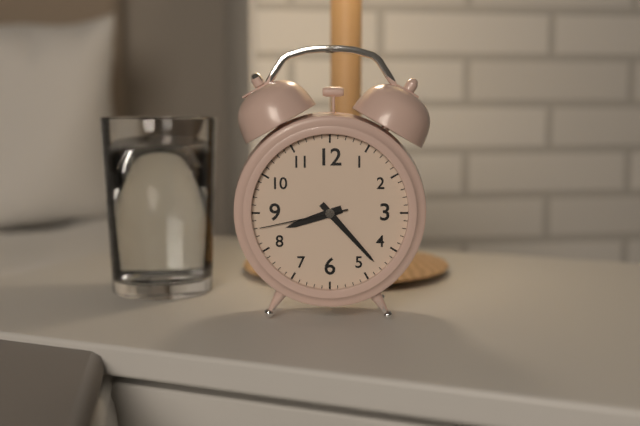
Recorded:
h=8 m=23 s=43
